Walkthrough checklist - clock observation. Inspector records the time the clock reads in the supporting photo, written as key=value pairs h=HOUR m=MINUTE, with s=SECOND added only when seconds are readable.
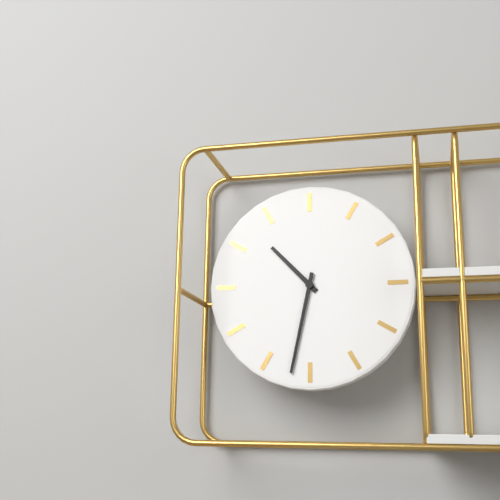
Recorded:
h=10 m=32
